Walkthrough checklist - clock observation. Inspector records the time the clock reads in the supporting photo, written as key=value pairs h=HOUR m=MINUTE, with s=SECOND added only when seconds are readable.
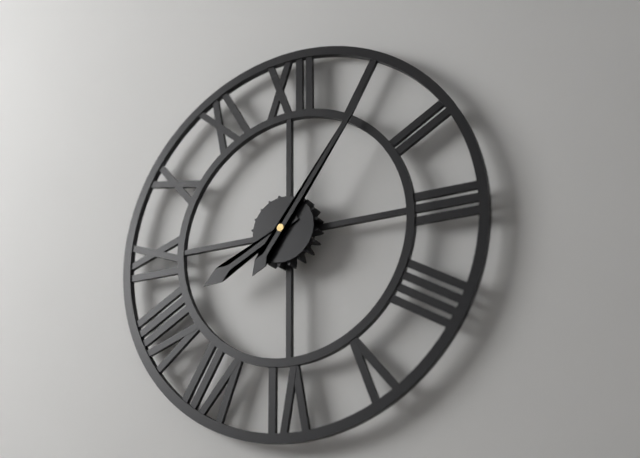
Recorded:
h=8 m=6
